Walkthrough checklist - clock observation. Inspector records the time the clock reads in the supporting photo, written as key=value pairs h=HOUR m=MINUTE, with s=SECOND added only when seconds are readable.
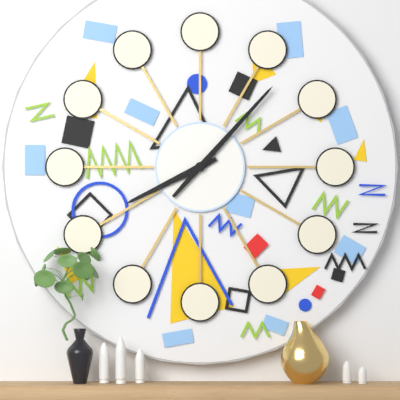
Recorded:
h=8 m=7
